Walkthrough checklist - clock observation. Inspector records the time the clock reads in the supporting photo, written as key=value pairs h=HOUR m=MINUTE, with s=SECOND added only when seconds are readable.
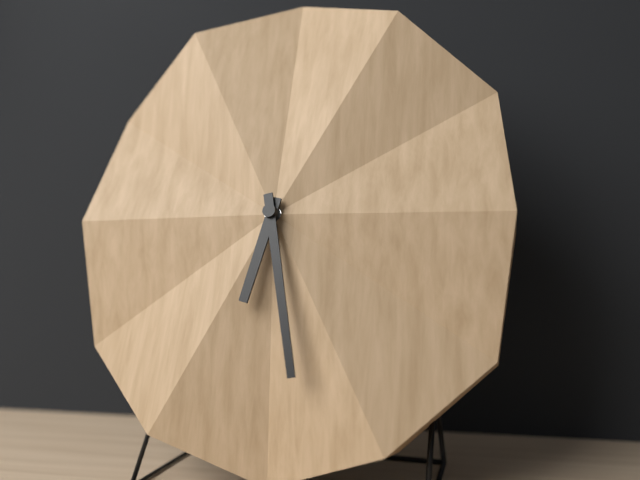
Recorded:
h=6 m=28
